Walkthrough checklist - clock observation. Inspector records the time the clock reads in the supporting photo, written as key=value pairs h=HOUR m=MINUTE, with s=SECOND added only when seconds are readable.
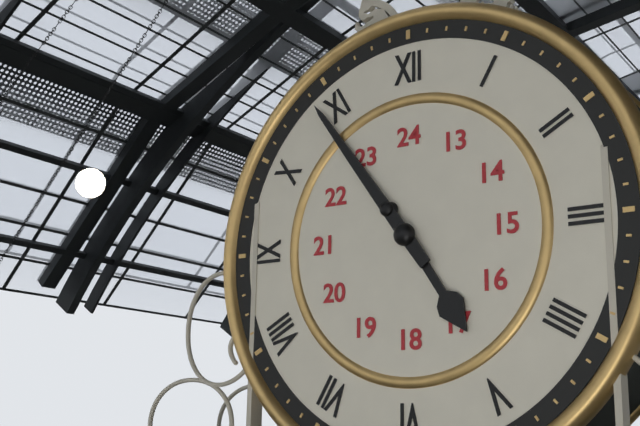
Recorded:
h=4 m=54
